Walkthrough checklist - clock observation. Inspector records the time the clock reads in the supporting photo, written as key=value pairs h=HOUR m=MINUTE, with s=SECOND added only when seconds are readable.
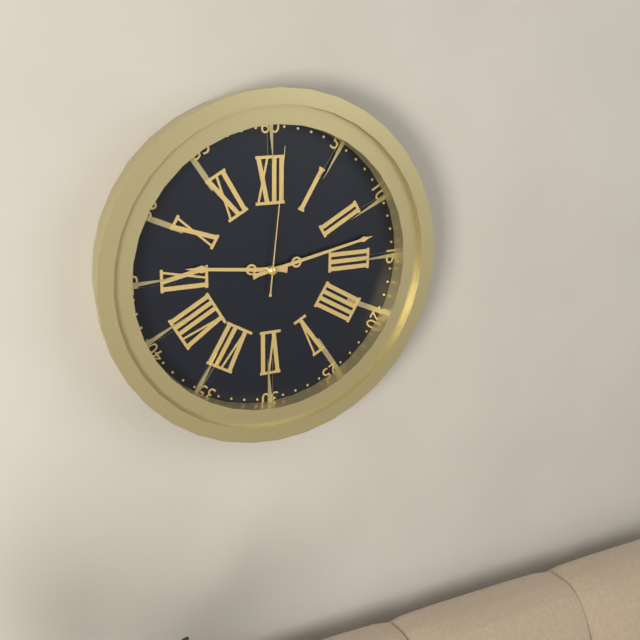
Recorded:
h=9 m=13 s=1
